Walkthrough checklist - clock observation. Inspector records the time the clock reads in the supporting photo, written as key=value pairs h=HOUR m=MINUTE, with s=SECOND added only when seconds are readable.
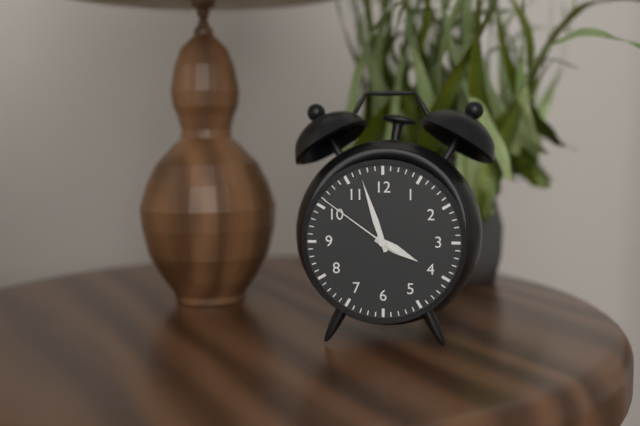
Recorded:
h=3 m=57 s=51
